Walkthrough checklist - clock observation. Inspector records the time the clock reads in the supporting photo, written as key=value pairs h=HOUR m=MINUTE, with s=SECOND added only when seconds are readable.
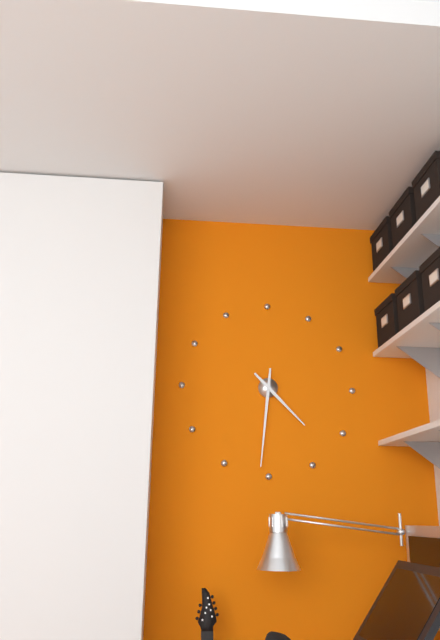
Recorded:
h=4 m=31
